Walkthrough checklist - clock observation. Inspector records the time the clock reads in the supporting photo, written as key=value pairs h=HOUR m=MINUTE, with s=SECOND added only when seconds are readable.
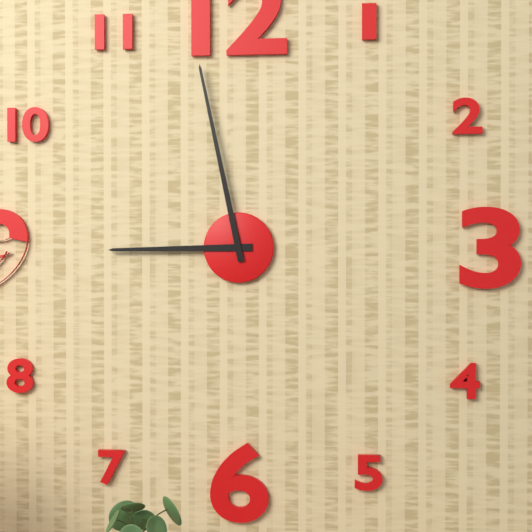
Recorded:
h=8 m=58
